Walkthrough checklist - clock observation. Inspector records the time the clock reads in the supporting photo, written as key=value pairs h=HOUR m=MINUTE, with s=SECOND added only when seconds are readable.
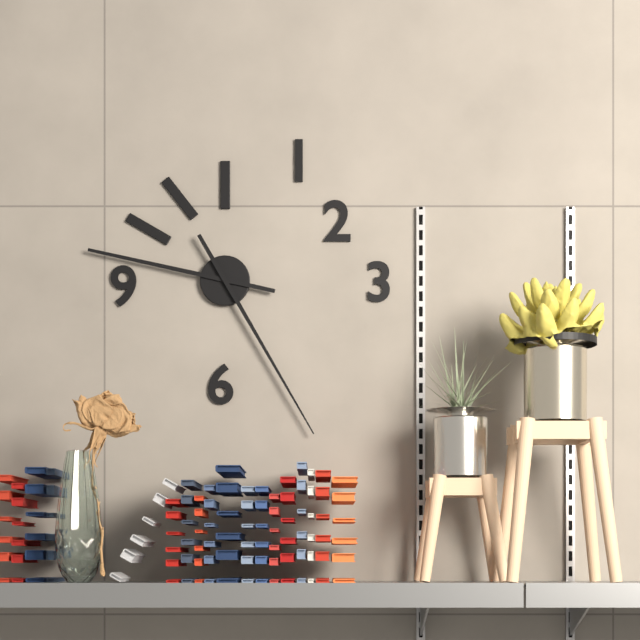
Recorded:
h=9 m=25
